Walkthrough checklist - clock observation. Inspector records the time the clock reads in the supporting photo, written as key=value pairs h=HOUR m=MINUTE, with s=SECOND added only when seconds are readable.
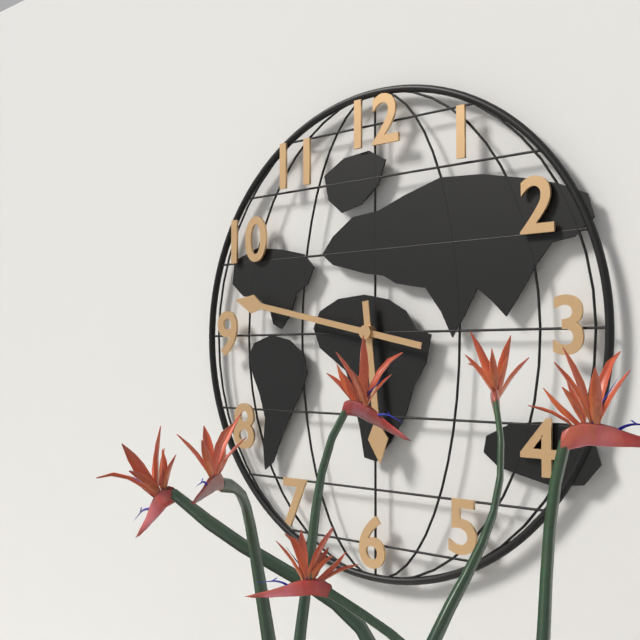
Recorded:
h=5 m=47
